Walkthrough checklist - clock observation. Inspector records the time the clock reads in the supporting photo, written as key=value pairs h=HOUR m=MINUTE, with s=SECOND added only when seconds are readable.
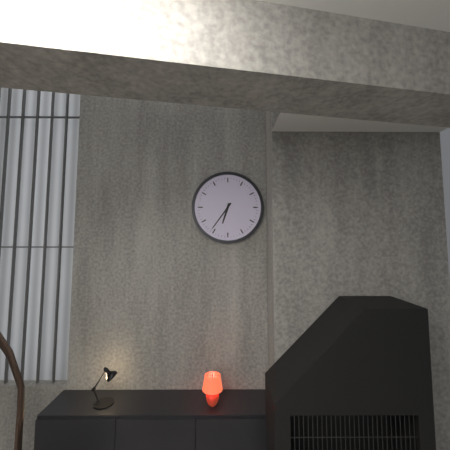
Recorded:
h=6 m=36
